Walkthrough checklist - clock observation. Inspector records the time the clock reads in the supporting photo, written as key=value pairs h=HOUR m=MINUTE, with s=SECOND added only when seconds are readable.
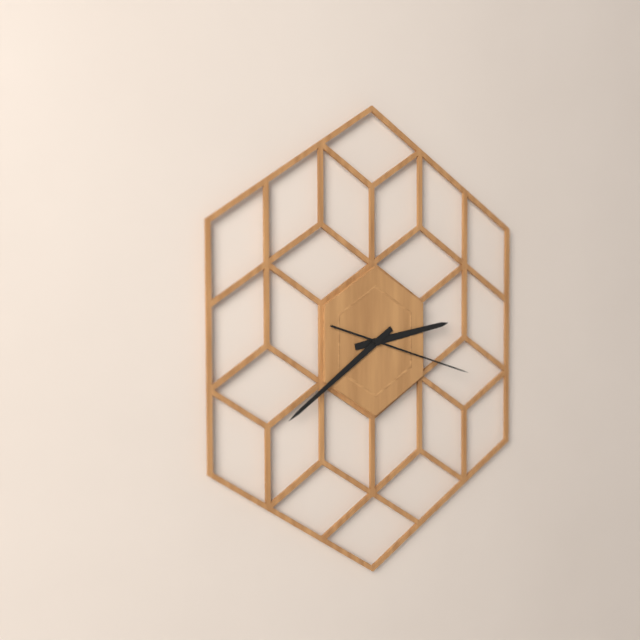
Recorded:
h=2 m=39 s=18
